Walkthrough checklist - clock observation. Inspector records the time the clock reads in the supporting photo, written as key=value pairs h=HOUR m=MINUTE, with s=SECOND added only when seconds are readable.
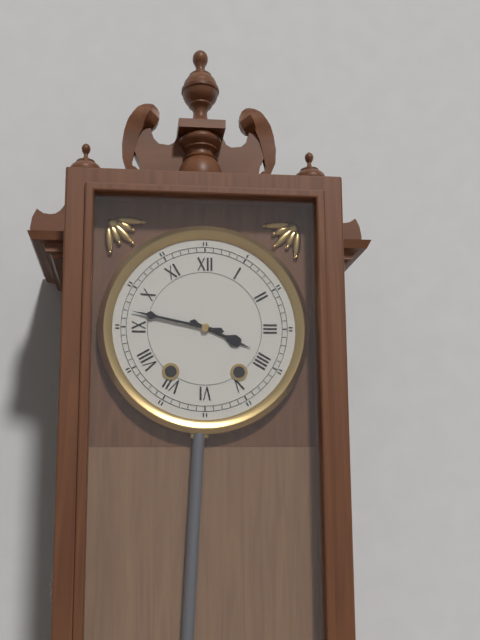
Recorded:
h=3 m=47
